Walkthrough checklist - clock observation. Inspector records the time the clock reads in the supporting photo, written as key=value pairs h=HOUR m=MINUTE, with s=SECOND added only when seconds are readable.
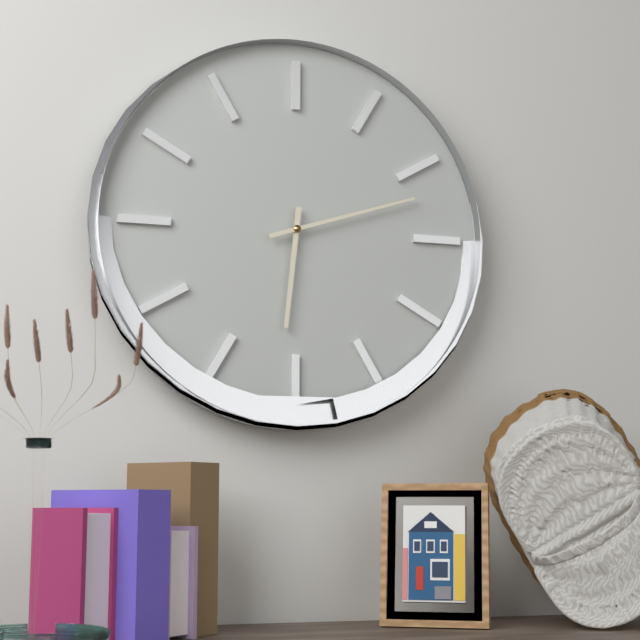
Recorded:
h=6 m=12
